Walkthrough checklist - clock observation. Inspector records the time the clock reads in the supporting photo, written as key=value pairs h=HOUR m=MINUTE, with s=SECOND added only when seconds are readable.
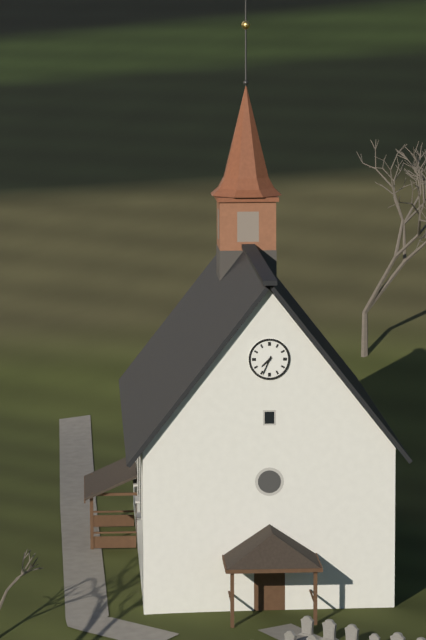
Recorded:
h=7 m=34
